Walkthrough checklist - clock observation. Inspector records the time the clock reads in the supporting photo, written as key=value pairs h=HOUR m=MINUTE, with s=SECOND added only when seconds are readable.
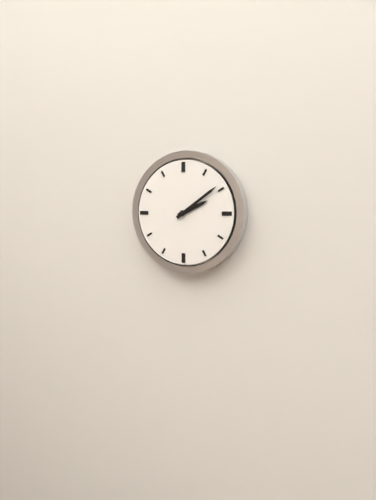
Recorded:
h=2 m=9
